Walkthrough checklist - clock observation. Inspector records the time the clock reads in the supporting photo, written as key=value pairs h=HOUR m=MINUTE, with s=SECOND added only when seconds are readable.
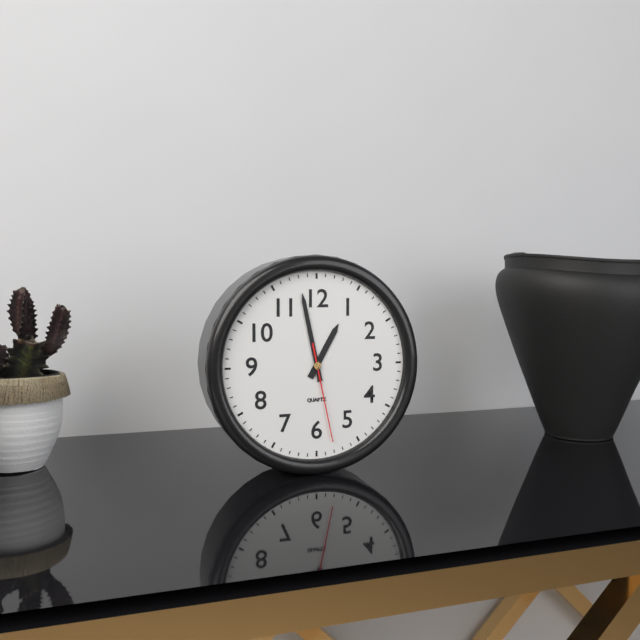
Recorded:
h=12 m=58 s=28
